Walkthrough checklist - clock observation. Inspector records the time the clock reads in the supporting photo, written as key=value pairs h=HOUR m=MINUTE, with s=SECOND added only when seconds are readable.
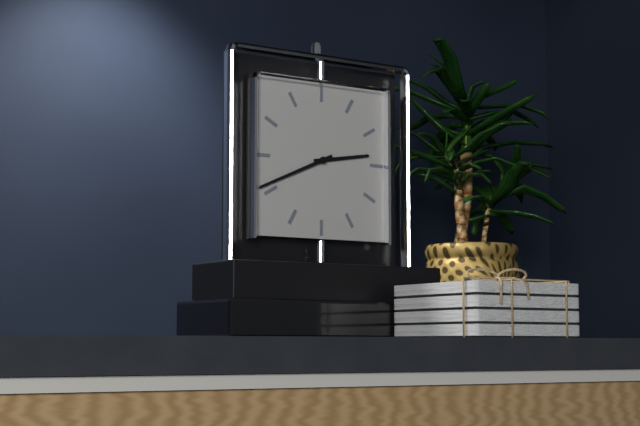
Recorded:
h=2 m=41
